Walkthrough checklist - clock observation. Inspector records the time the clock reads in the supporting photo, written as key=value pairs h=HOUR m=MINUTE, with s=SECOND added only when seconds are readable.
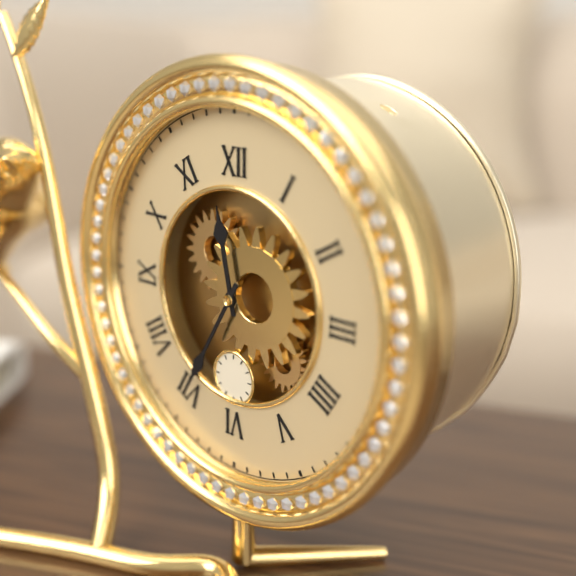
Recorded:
h=11 m=35
